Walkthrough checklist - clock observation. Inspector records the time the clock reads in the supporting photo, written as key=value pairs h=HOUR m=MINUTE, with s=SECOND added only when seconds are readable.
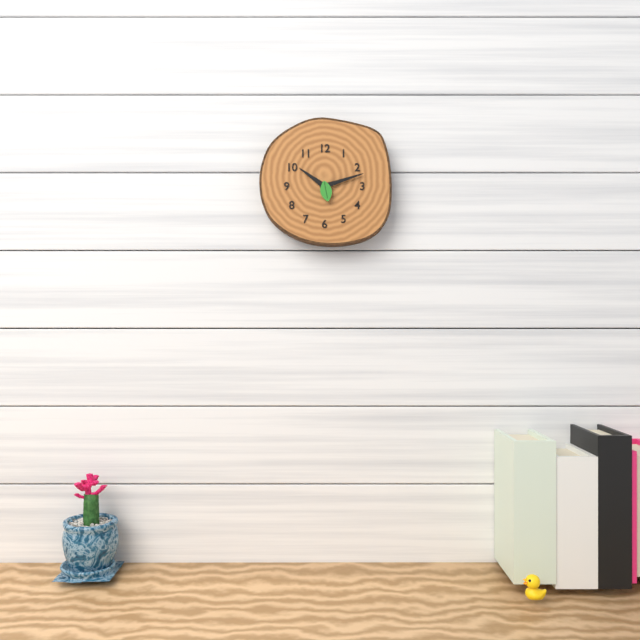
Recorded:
h=10 m=12
